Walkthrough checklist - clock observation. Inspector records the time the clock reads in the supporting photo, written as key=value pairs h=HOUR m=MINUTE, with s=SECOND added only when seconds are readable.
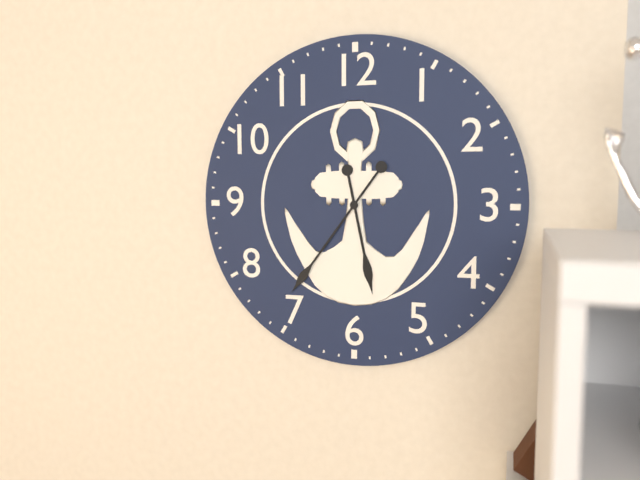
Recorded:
h=5 m=36
